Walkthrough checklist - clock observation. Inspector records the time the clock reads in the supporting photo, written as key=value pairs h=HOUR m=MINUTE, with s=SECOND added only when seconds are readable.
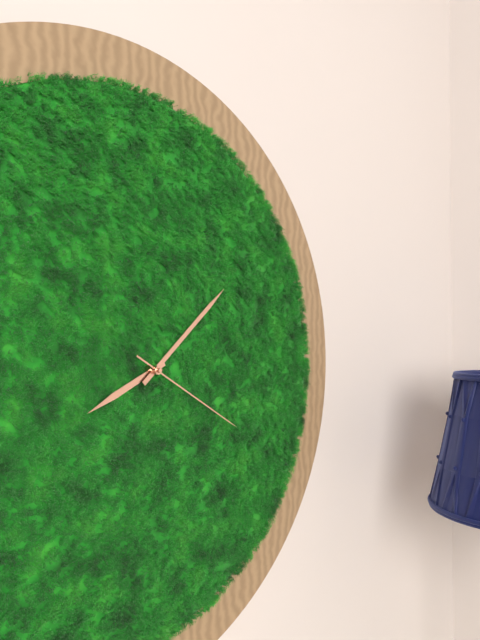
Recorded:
h=8 m=8 s=20
